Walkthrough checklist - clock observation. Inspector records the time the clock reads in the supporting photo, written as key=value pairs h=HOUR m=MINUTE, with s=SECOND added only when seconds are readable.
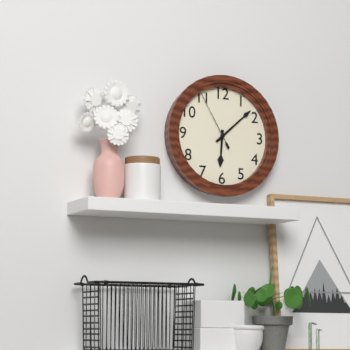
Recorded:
h=6 m=8 s=55
